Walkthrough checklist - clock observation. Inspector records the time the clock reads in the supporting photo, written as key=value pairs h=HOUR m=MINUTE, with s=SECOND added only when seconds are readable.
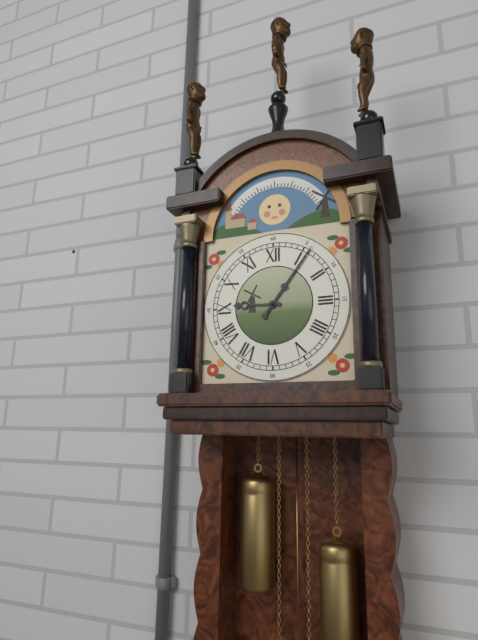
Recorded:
h=9 m=6
